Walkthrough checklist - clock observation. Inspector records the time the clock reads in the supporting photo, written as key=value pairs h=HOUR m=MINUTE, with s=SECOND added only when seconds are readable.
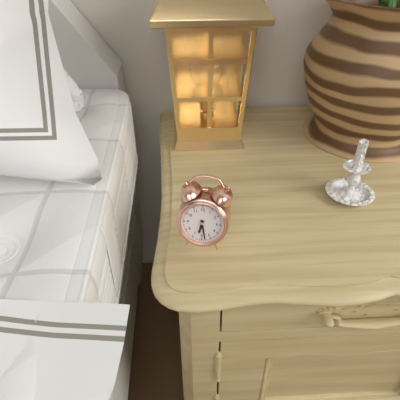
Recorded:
h=6 m=28
